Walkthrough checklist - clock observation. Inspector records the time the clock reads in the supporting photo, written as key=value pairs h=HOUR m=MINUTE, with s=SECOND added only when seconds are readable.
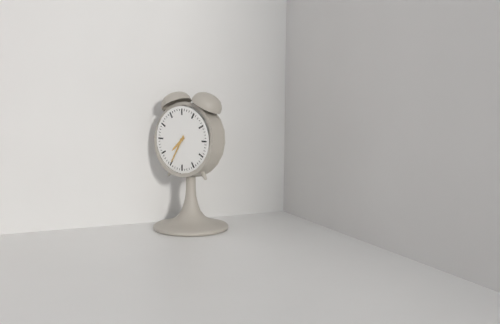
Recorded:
h=7 m=35
